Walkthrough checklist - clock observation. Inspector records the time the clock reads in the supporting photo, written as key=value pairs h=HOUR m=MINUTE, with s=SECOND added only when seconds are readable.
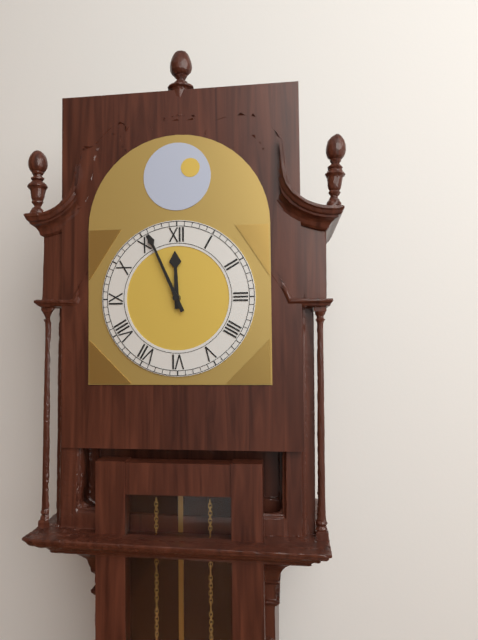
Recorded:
h=11 m=56
